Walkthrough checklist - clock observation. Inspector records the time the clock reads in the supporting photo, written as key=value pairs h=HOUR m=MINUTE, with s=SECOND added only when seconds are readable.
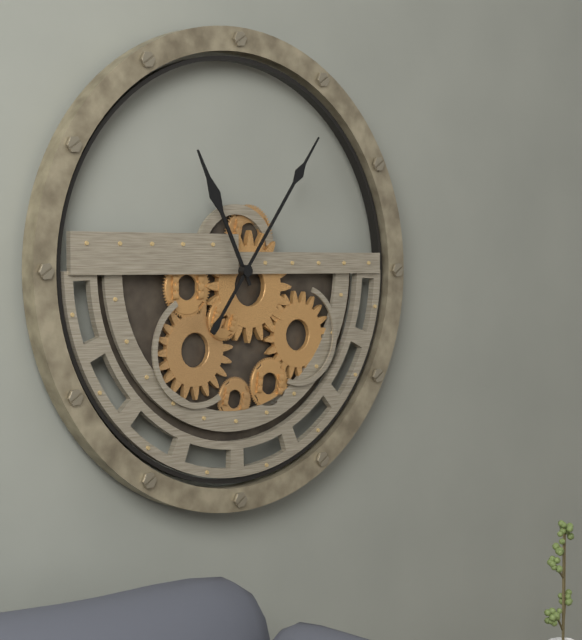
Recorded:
h=11 m=6
